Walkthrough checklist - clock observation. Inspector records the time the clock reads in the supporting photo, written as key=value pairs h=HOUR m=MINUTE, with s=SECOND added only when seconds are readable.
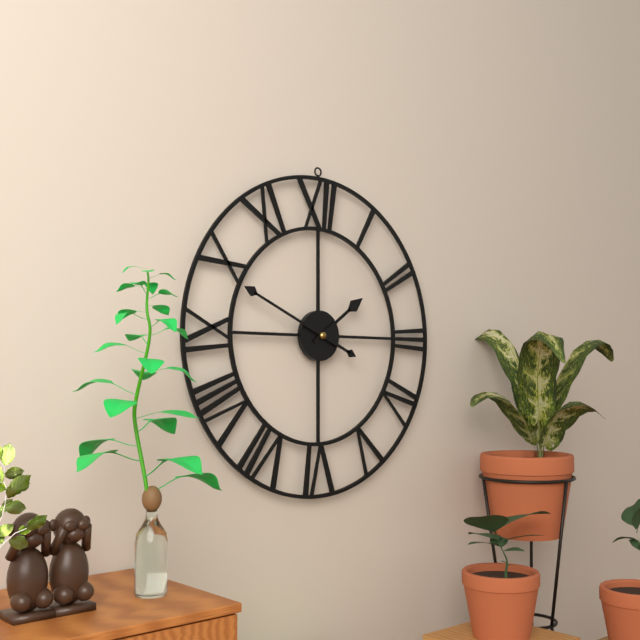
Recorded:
h=1 m=49
